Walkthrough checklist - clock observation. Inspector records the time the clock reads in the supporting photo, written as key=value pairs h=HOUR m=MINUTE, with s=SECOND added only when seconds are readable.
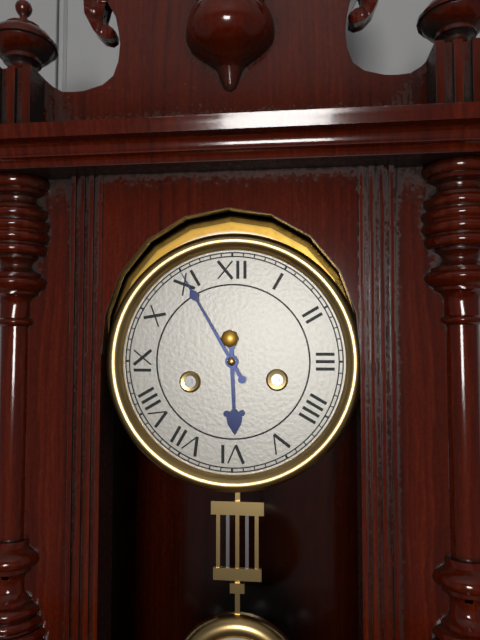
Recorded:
h=5 m=55
